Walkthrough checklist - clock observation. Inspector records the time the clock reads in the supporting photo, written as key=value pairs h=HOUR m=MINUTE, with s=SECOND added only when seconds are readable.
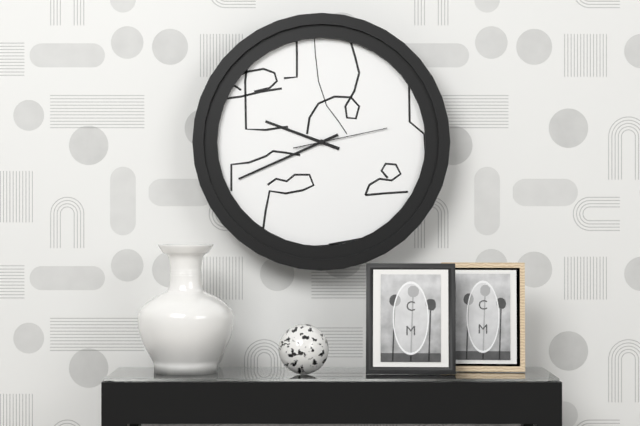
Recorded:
h=9 m=41 s=13
